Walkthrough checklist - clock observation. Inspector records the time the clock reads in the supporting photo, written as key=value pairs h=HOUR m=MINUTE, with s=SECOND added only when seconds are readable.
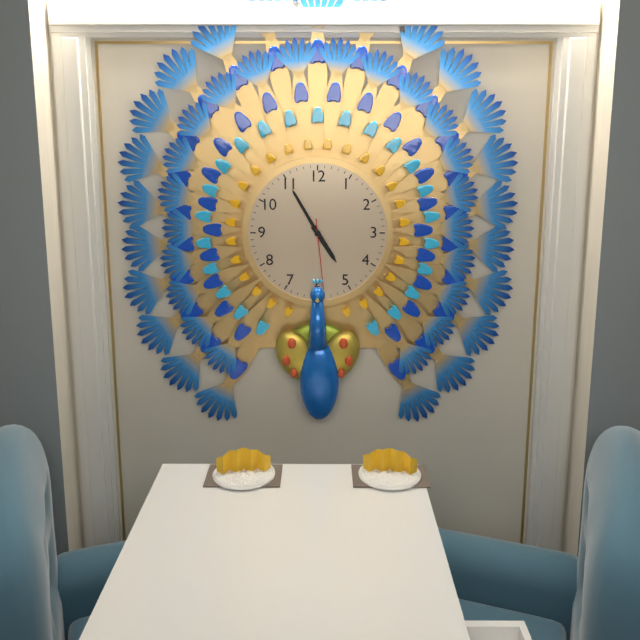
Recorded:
h=4 m=55 s=29
